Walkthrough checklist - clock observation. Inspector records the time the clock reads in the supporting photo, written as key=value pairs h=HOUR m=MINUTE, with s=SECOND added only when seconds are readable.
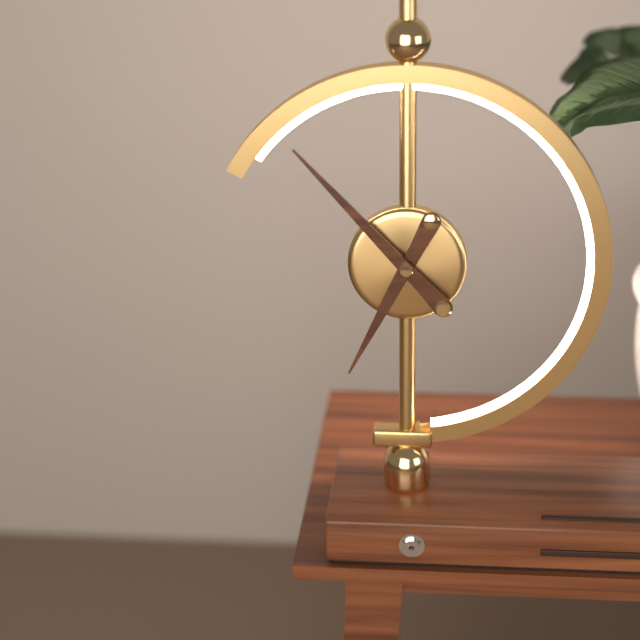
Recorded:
h=6 m=53
